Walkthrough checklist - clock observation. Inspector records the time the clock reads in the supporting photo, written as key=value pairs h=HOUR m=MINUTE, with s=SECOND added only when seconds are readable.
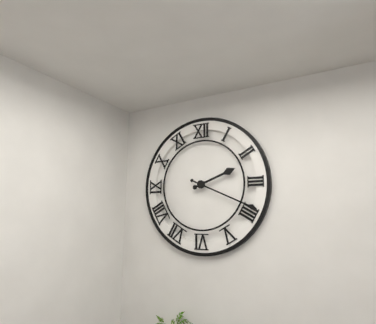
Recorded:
h=2 m=19
